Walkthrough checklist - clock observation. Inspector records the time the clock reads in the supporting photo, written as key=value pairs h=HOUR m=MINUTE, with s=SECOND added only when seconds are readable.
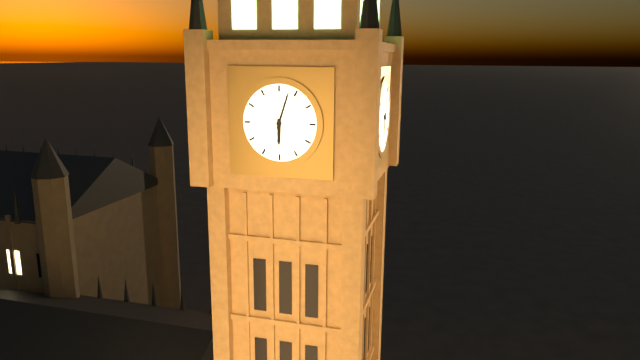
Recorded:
h=6 m=3
